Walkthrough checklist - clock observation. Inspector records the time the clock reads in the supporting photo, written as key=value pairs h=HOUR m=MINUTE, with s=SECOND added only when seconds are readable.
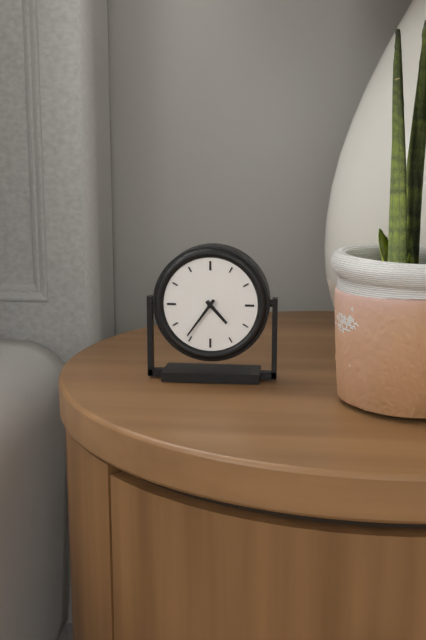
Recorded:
h=4 m=36
